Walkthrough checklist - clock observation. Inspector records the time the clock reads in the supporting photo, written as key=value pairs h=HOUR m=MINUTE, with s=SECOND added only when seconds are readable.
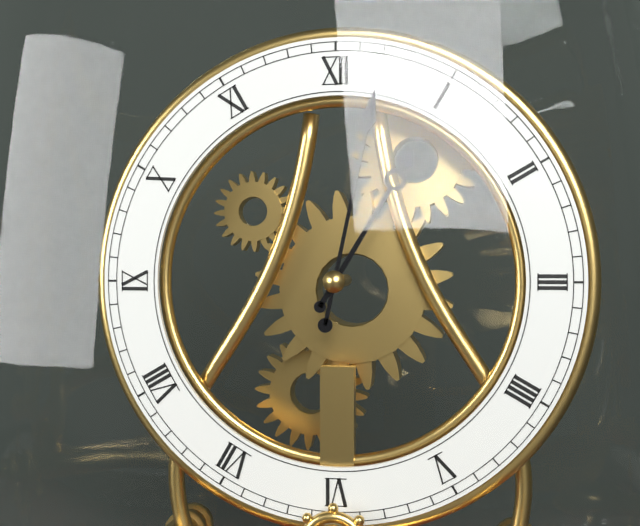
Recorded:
h=1 m=2
